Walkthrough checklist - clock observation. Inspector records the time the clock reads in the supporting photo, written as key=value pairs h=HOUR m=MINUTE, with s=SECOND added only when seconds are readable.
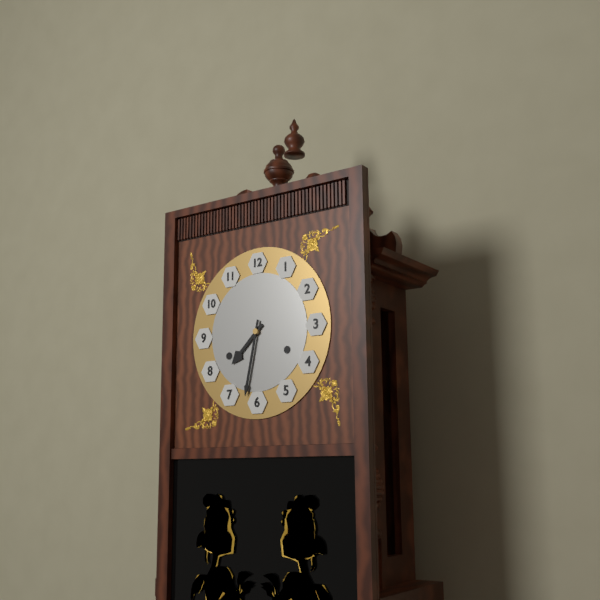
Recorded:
h=7 m=32
